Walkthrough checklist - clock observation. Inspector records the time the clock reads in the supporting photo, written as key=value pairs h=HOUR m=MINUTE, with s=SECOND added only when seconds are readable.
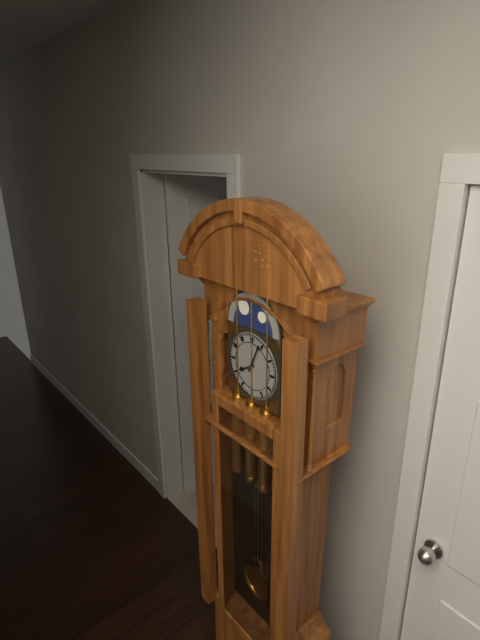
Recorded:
h=8 m=4
